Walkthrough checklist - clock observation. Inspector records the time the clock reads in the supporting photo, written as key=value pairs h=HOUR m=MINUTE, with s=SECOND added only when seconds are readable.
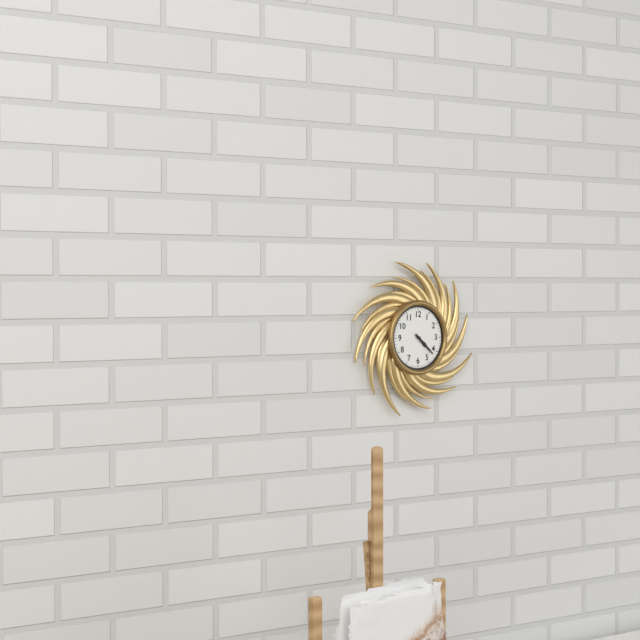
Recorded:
h=4 m=22
